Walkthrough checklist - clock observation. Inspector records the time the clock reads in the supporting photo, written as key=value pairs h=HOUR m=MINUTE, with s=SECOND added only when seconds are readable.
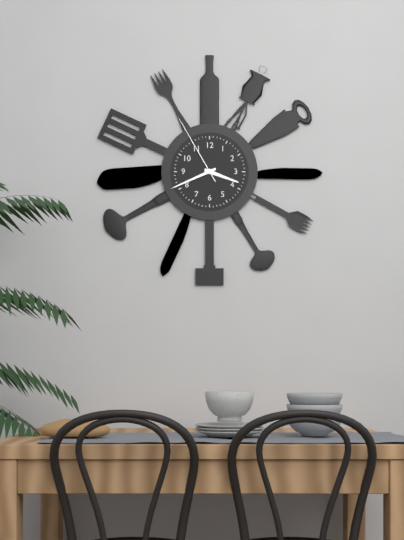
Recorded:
h=3 m=41 s=55
